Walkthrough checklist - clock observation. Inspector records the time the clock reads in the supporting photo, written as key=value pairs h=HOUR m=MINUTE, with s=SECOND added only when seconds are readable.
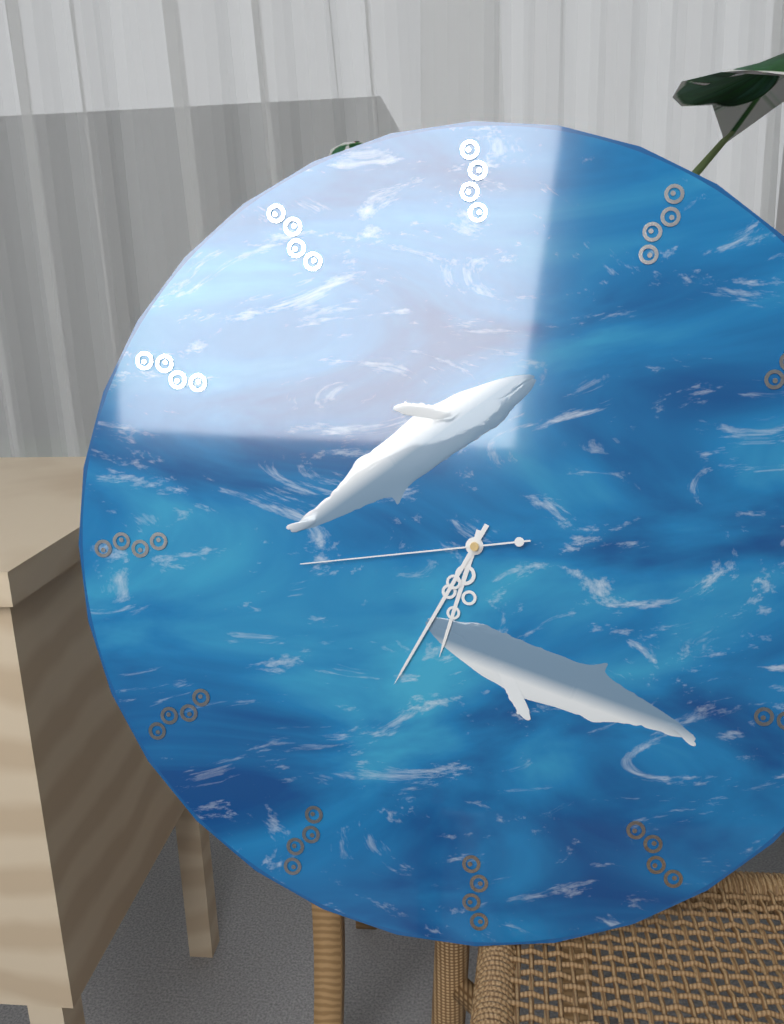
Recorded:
h=6 m=35 s=44
